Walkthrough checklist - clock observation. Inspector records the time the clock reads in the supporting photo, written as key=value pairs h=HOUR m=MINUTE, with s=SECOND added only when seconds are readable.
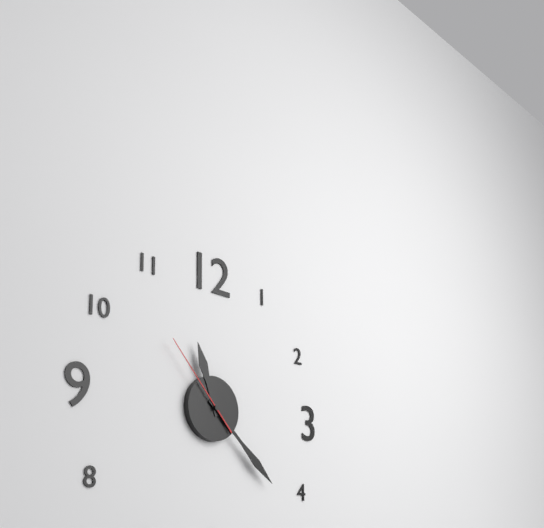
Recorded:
h=11 m=22 s=53
